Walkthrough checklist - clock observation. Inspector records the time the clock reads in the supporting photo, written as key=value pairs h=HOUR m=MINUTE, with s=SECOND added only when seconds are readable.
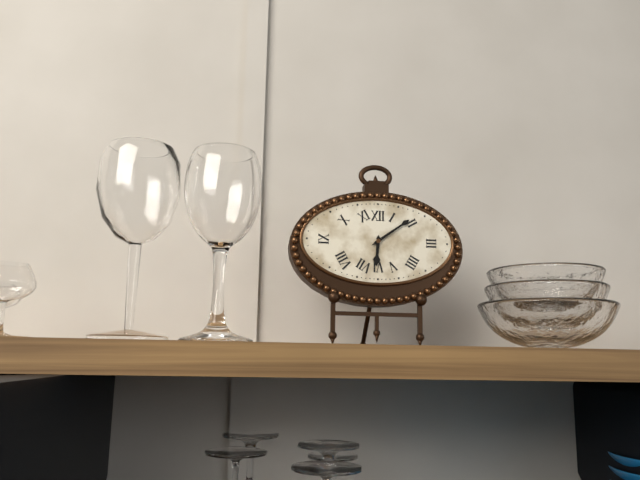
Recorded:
h=6 m=9
